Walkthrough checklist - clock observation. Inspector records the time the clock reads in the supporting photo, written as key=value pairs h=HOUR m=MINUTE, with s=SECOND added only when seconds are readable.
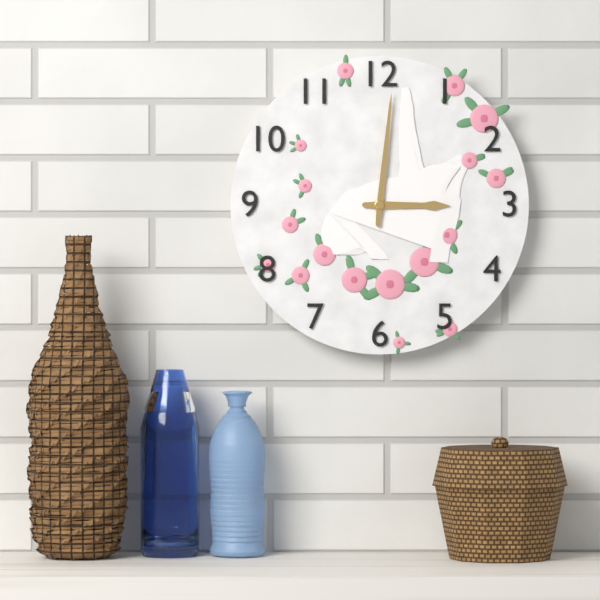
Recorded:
h=3 m=1
